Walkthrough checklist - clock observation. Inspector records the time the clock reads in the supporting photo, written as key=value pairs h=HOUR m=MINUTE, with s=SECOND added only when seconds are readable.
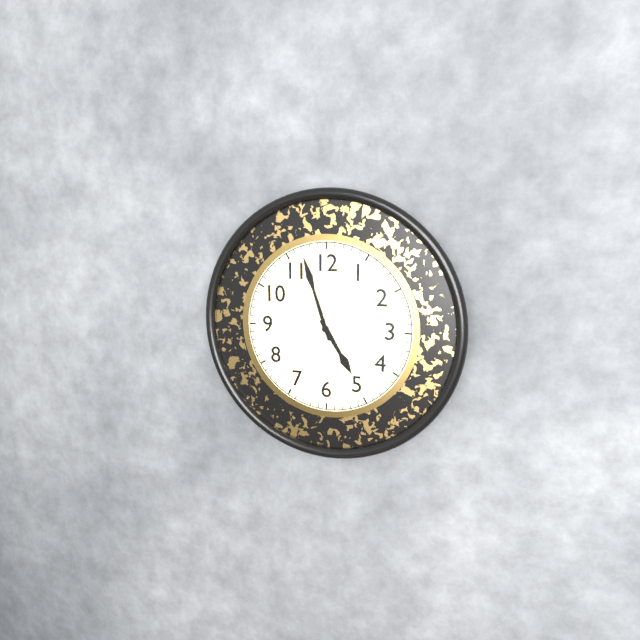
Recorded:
h=4 m=57
